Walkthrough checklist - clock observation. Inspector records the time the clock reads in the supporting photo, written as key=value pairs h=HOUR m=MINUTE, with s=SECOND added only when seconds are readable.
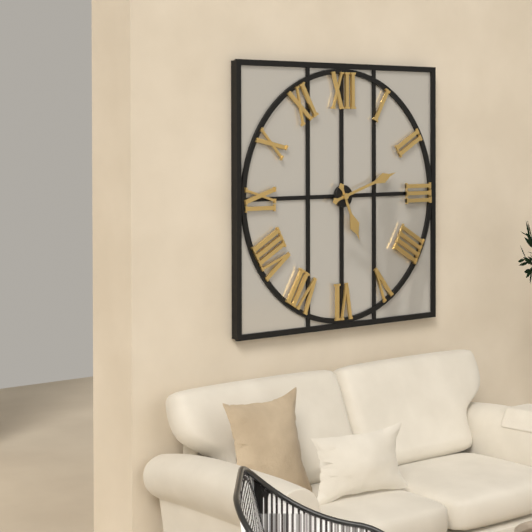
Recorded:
h=5 m=12
